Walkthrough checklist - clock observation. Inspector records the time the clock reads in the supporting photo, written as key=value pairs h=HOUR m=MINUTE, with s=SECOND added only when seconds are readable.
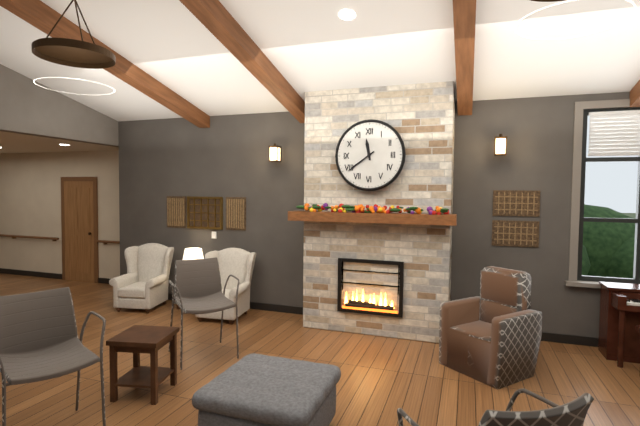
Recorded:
h=11 m=39
